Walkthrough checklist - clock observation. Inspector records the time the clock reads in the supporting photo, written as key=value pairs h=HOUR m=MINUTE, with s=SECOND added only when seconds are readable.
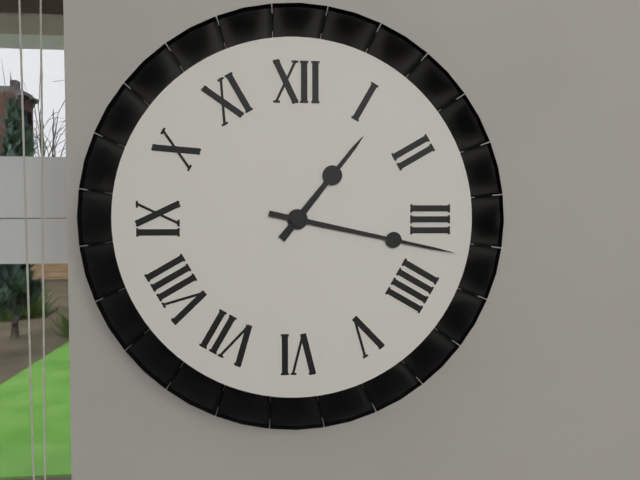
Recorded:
h=1 m=17
